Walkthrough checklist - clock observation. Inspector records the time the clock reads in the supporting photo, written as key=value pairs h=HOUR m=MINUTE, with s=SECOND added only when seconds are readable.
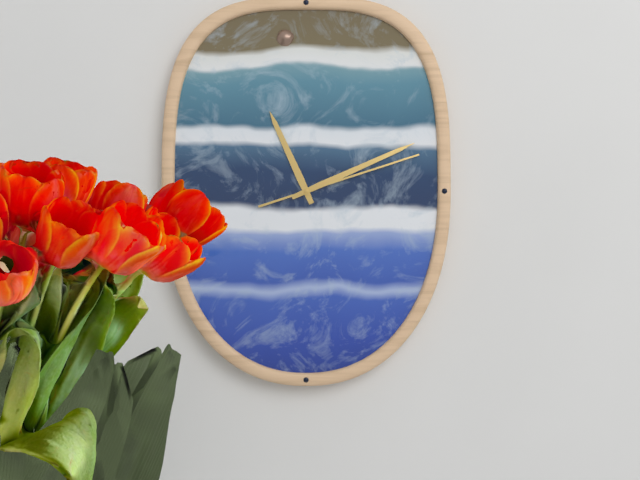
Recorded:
h=11 m=11 s=12
